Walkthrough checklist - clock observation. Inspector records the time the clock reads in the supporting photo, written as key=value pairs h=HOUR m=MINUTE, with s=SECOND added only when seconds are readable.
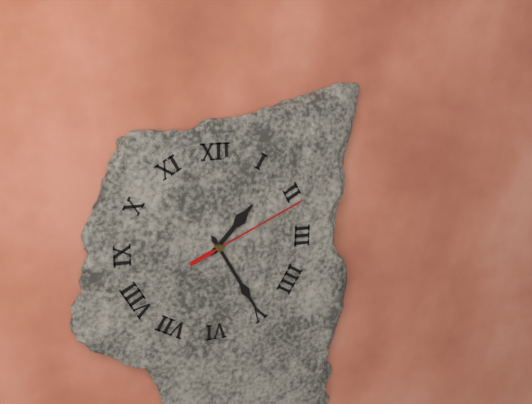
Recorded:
h=1 m=25 s=11
